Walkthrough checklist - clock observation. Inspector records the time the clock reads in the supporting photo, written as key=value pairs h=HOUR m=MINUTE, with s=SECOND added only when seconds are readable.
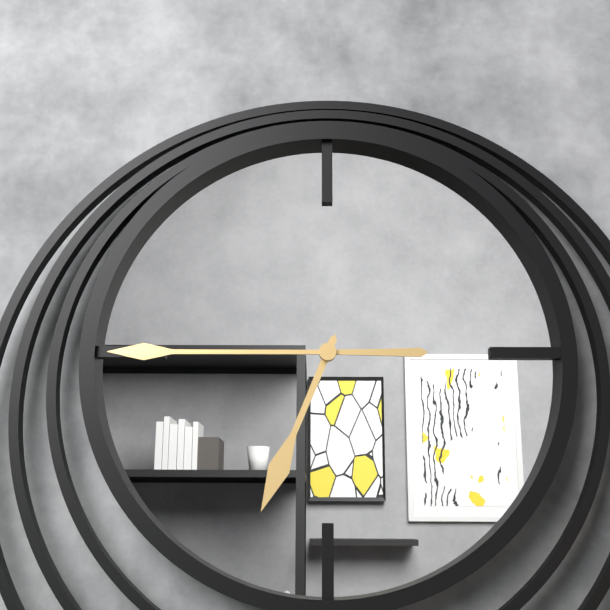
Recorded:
h=6 m=45
